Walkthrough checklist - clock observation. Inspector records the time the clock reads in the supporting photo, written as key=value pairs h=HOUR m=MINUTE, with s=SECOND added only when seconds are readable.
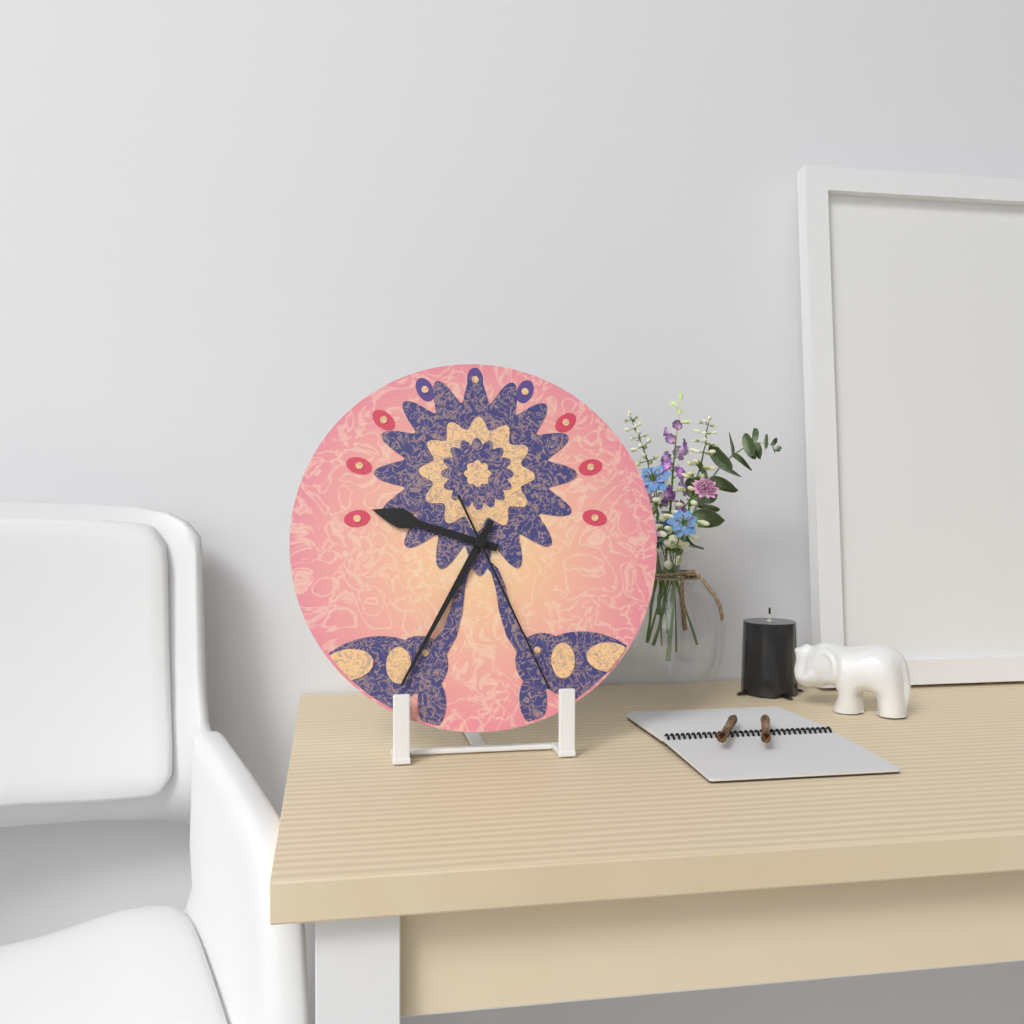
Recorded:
h=9 m=35 s=26
